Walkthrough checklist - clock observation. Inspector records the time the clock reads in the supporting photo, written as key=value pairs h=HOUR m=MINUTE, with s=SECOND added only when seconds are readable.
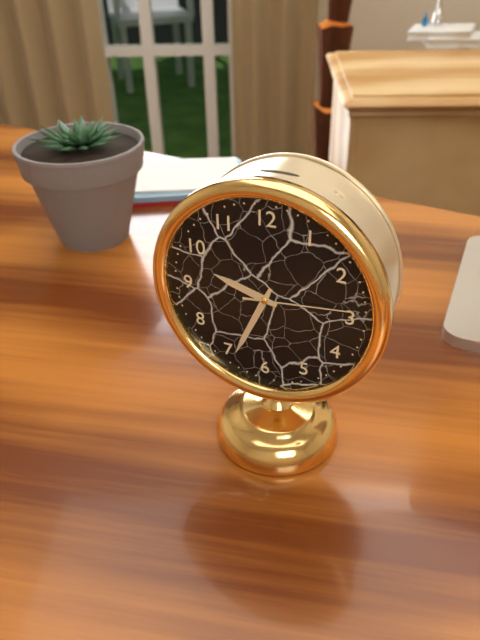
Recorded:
h=9 m=34 s=14
